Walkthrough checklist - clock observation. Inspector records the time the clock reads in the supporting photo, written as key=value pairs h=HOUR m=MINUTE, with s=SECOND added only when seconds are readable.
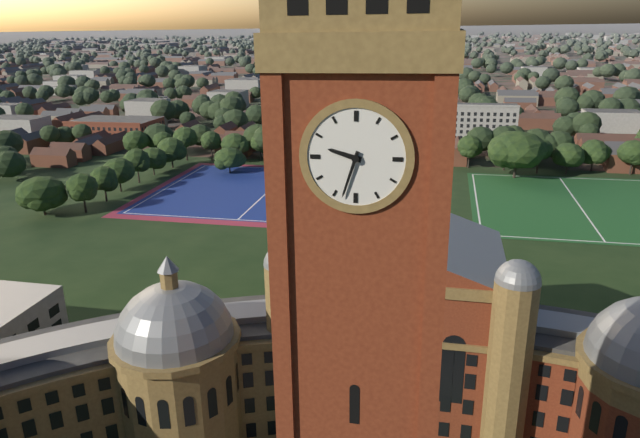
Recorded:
h=9 m=33
